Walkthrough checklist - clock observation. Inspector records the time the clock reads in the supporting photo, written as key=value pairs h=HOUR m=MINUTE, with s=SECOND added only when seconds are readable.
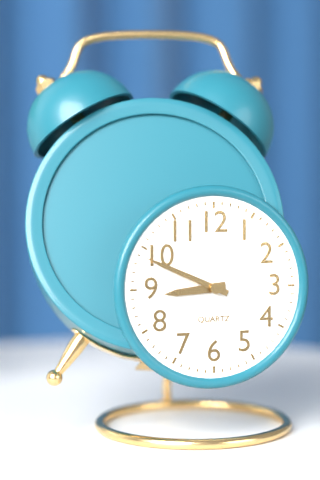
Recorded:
h=8 m=49
